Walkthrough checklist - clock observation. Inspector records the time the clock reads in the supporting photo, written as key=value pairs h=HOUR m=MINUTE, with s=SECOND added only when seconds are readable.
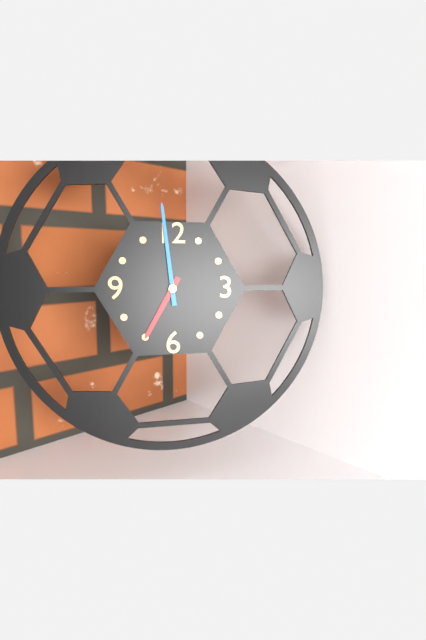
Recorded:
h=6 m=59
